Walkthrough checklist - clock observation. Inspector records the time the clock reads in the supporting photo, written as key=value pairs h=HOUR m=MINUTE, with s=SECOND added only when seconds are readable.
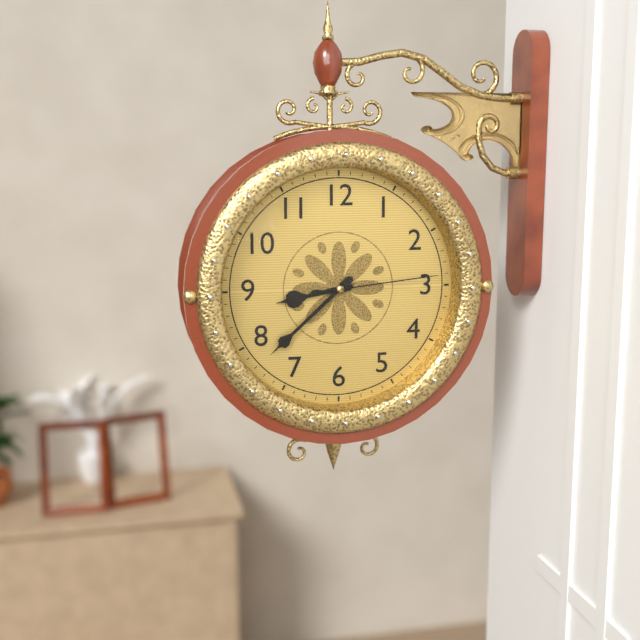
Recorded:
h=8 m=38 s=14
